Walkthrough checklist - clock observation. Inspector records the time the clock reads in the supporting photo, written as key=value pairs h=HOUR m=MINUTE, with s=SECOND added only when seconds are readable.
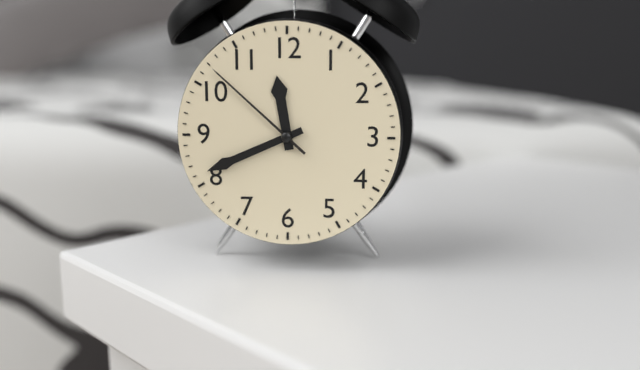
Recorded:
h=11 m=41 s=52
